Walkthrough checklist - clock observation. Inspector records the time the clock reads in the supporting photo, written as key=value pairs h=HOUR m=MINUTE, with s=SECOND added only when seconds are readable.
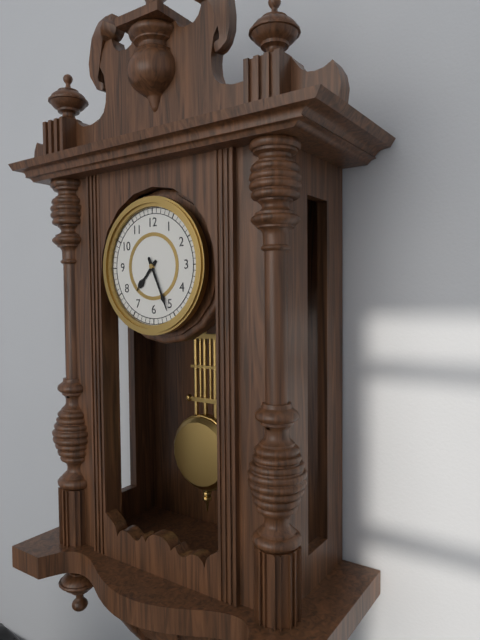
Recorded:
h=7 m=26
